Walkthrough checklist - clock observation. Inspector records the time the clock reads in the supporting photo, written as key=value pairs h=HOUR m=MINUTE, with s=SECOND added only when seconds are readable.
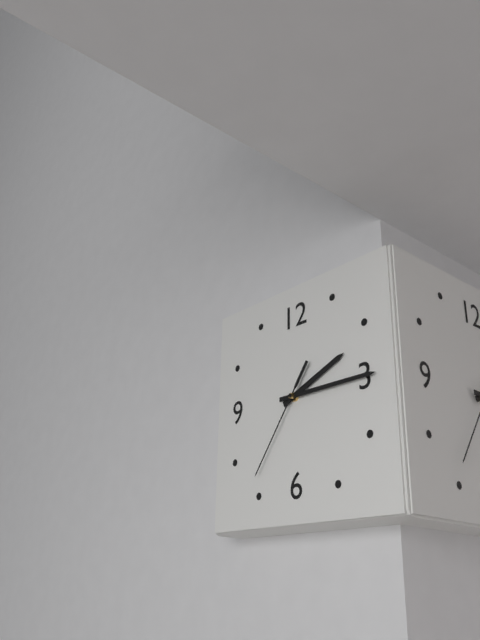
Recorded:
h=2 m=15 s=36
